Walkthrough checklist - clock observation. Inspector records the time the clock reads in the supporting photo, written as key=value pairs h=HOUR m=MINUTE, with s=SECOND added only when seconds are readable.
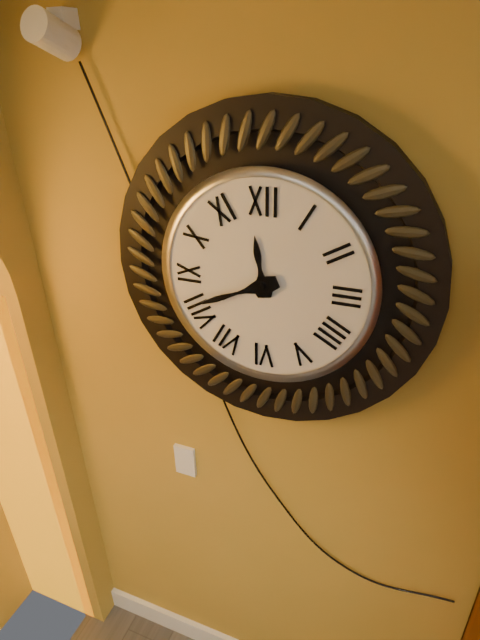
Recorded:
h=11 m=41
